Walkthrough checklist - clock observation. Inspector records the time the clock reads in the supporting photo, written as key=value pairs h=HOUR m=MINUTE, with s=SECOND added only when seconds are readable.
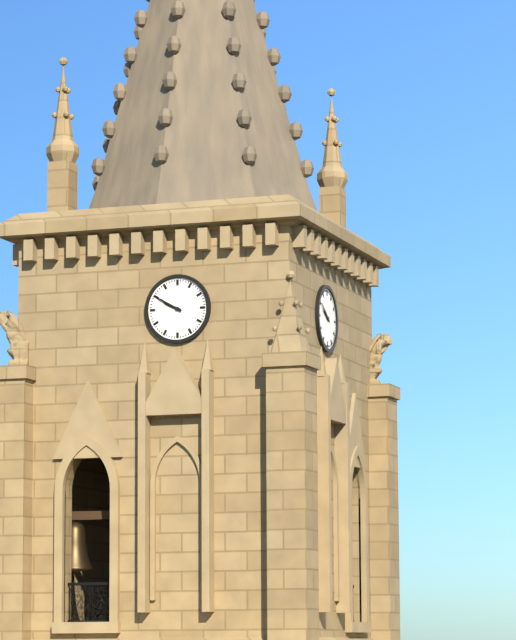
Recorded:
h=9 m=50
